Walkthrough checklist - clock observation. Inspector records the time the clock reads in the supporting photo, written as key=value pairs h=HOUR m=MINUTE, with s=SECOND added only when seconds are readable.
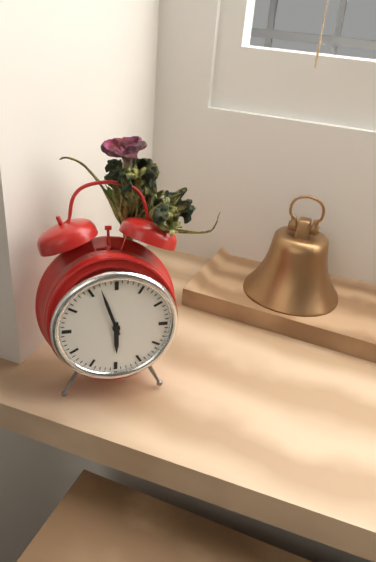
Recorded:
h=5 m=57
